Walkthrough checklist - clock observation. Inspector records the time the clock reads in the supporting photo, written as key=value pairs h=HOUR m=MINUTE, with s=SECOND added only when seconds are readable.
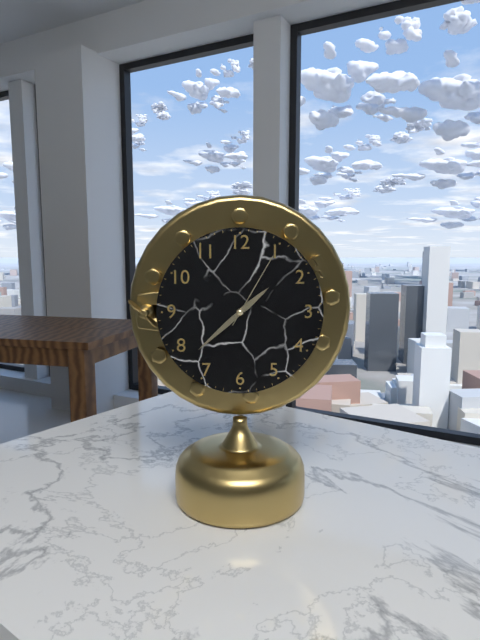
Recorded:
h=1 m=38 s=5
